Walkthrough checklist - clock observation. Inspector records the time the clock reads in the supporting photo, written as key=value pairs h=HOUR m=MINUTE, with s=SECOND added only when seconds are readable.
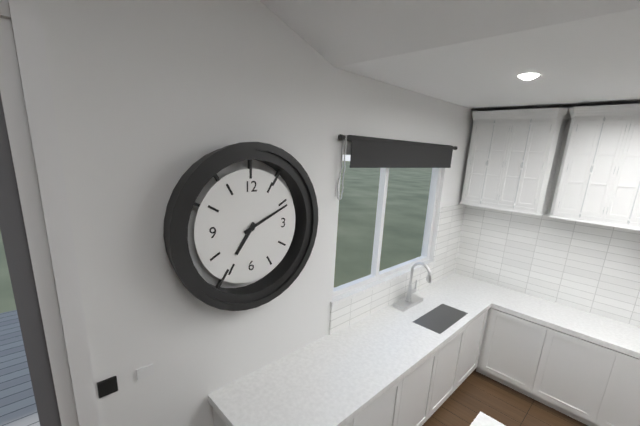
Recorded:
h=7 m=11
